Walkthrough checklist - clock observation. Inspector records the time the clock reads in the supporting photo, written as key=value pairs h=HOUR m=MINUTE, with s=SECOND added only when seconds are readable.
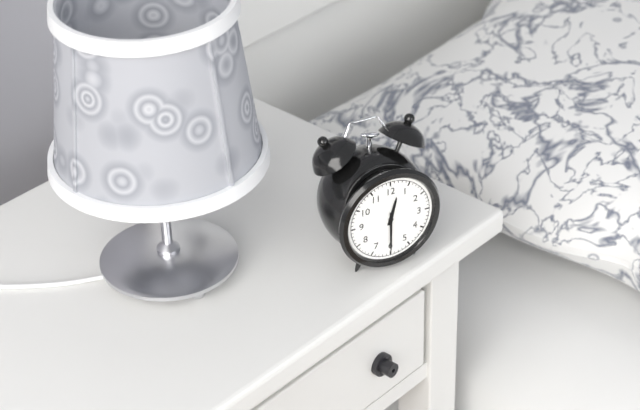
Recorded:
h=12 m=30
